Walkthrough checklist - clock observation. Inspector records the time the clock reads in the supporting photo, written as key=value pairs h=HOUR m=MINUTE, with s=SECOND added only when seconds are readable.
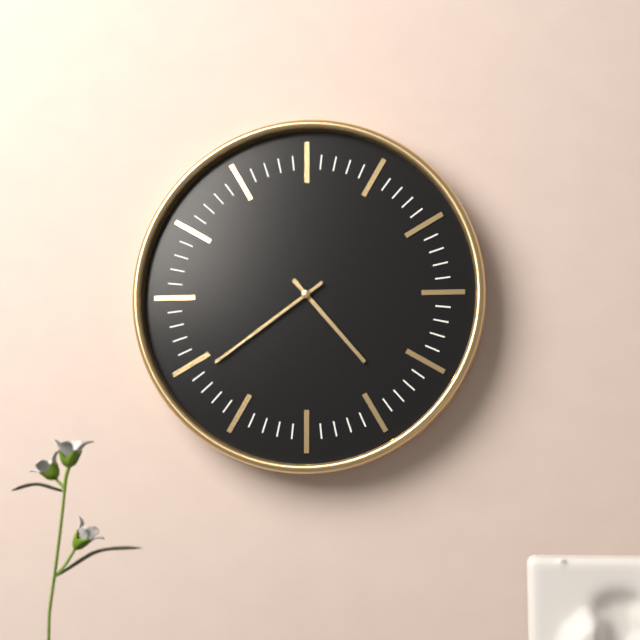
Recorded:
h=4 m=39
